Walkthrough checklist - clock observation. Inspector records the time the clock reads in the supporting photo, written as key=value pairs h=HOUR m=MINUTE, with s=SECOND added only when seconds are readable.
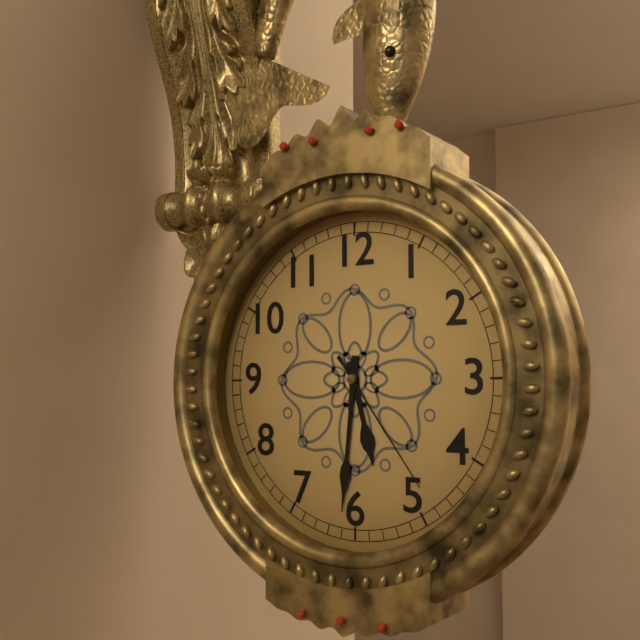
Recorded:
h=5 m=31 s=24
